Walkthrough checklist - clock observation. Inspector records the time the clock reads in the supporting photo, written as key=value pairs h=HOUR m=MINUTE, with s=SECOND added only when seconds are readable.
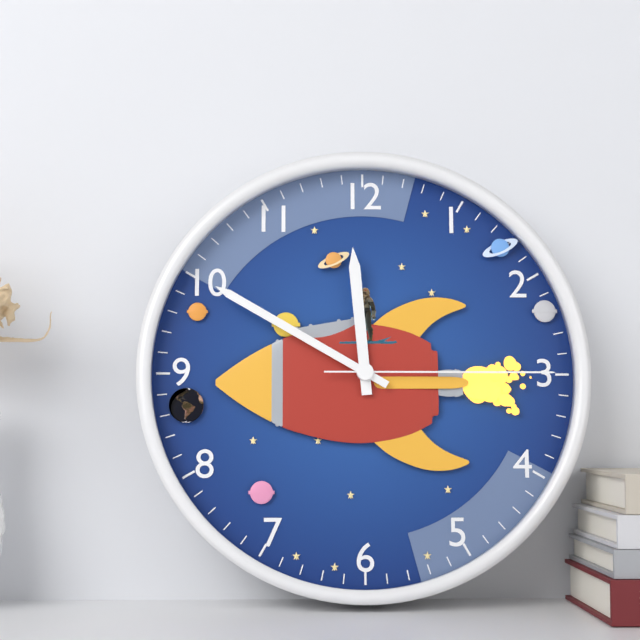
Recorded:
h=11 m=50 s=15
